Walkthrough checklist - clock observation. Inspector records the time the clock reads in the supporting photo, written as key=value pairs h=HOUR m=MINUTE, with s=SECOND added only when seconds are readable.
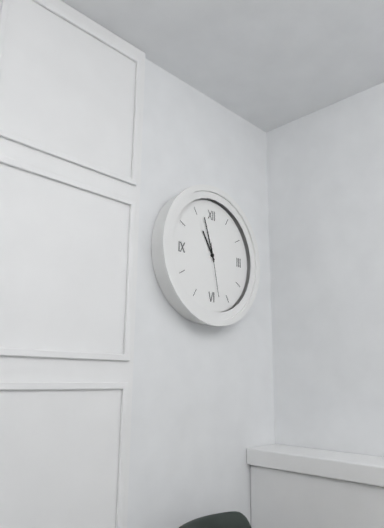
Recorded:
h=10 m=57 s=28
